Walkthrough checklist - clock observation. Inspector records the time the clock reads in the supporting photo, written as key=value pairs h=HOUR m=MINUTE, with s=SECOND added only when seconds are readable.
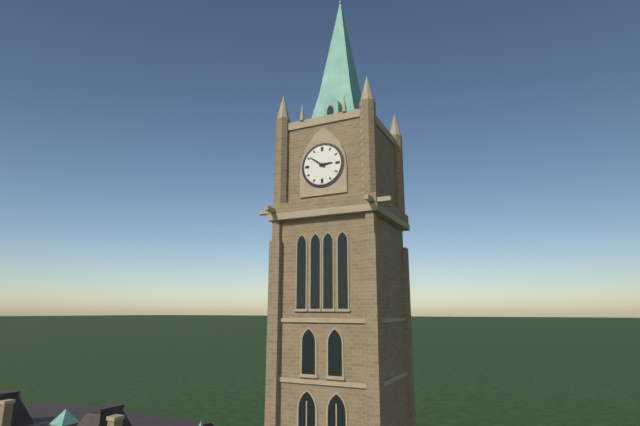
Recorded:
h=2 m=51
